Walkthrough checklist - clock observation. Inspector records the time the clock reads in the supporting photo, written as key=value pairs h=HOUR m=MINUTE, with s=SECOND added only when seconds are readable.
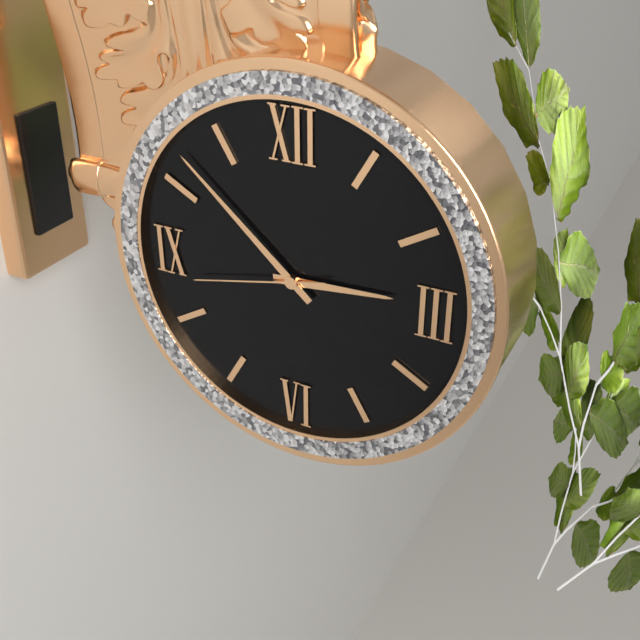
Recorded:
h=2 m=52 s=43
